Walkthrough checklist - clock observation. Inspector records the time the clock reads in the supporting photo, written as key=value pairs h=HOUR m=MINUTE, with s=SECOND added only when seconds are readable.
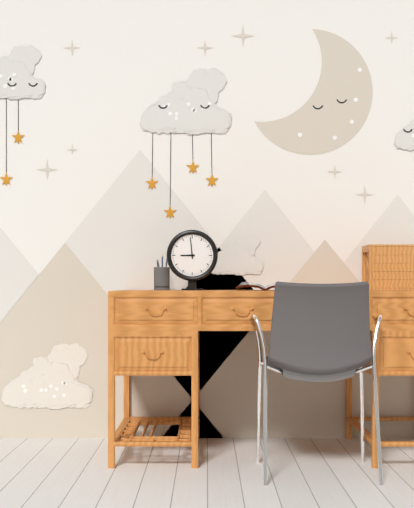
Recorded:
h=8 m=59
